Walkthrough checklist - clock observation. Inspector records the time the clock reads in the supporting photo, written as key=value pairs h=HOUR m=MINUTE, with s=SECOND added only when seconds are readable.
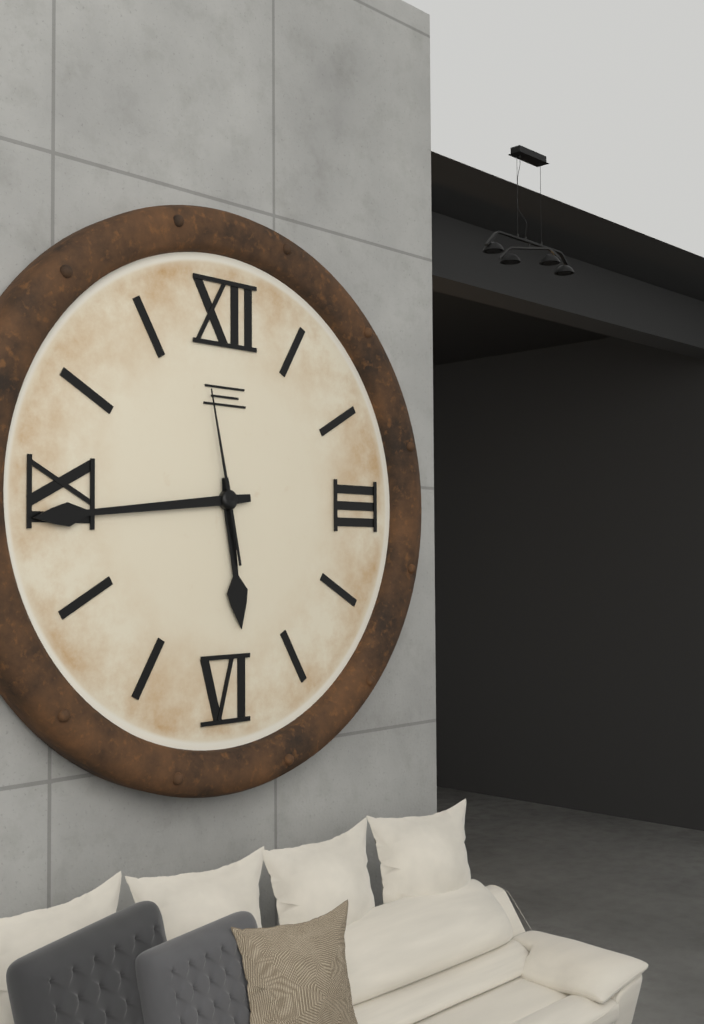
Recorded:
h=5 m=44 s=58
